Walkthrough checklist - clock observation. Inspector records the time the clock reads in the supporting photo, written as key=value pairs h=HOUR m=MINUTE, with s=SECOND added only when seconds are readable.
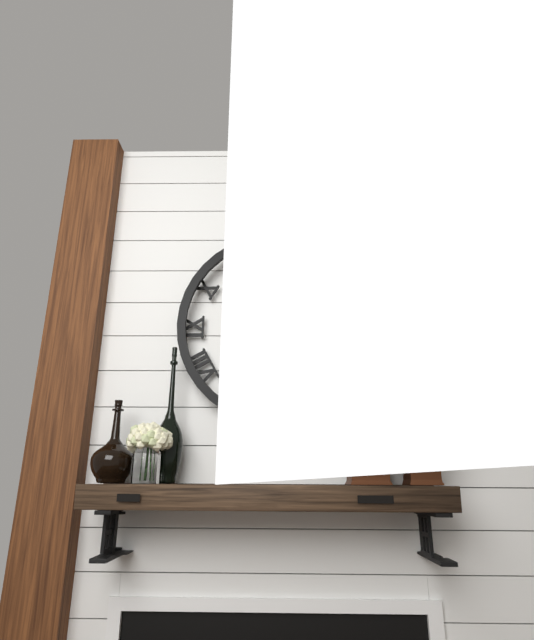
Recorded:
h=3 m=0
